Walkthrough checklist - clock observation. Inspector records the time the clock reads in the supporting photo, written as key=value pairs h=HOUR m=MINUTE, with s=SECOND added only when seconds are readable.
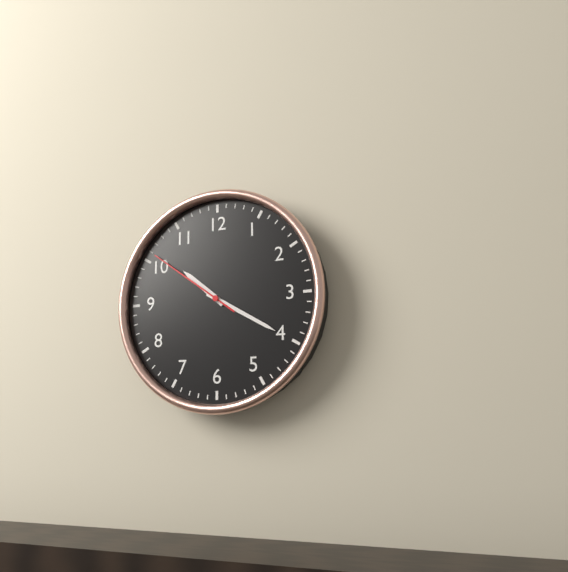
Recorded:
h=10 m=20 s=51
